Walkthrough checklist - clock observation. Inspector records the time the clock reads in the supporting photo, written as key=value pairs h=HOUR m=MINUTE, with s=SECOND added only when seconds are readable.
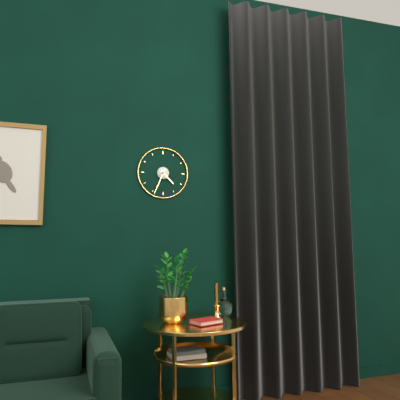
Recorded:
h=4 m=34
